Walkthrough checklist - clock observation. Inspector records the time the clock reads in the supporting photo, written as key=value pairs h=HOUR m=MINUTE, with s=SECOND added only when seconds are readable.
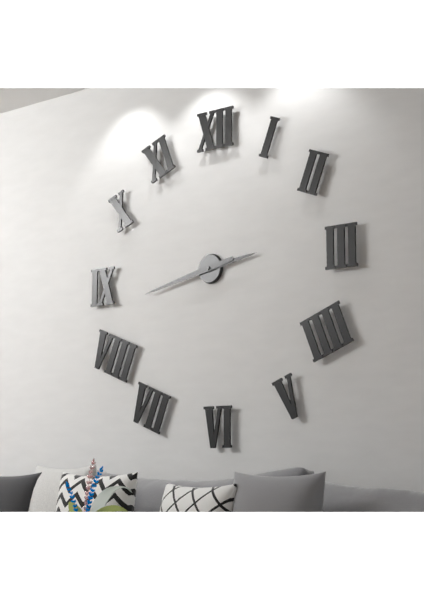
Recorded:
h=2 m=43
